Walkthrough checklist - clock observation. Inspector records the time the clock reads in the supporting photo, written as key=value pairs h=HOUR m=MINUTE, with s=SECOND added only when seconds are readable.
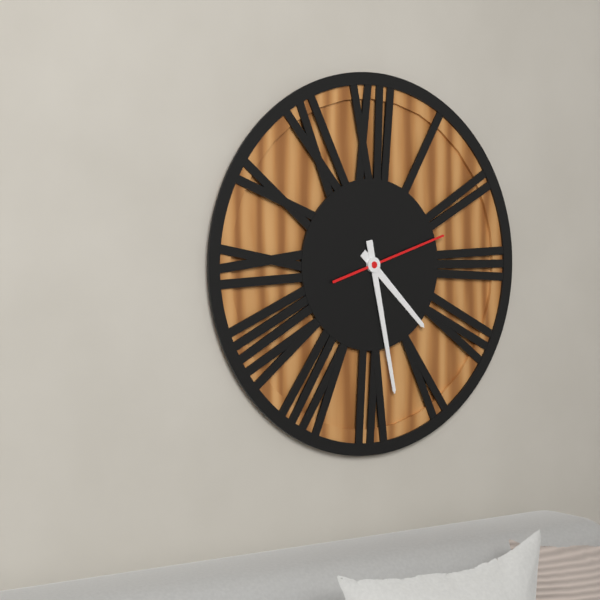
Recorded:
h=4 m=28 s=12
